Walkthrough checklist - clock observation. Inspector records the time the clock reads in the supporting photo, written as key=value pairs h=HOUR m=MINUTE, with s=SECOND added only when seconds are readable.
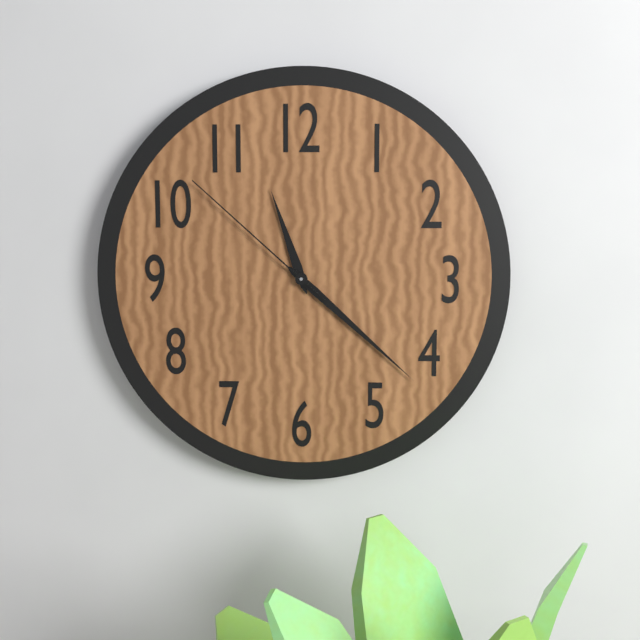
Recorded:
h=11 m=22 s=52
